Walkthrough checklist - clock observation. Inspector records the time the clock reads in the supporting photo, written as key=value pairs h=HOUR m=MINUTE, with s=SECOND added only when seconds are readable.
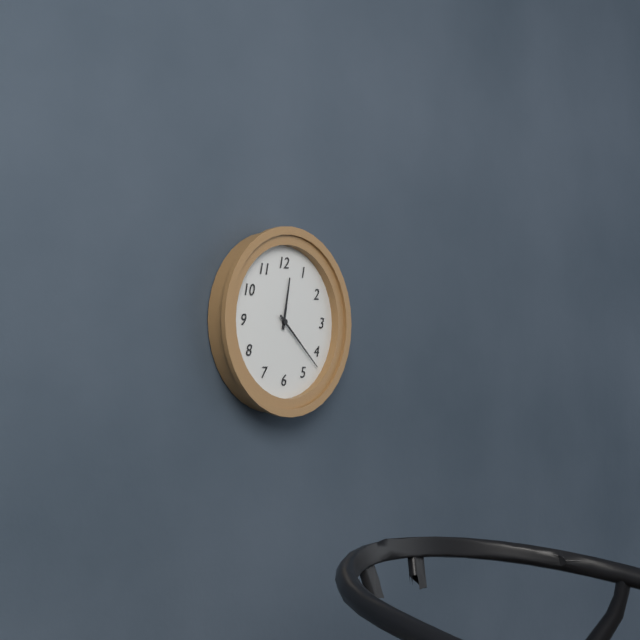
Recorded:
h=12 m=22
